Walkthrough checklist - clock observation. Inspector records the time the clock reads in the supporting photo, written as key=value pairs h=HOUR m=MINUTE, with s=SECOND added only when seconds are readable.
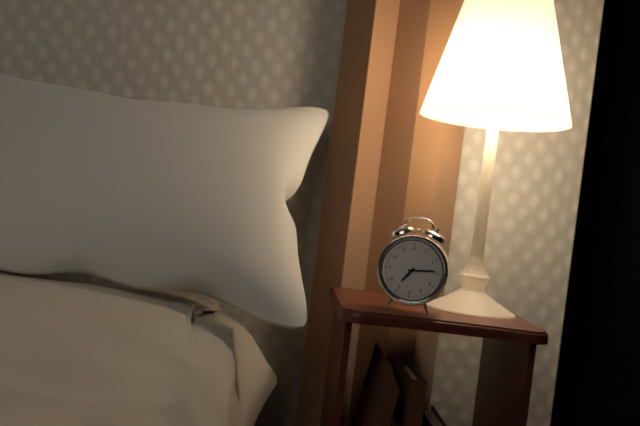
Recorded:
h=7 m=14
